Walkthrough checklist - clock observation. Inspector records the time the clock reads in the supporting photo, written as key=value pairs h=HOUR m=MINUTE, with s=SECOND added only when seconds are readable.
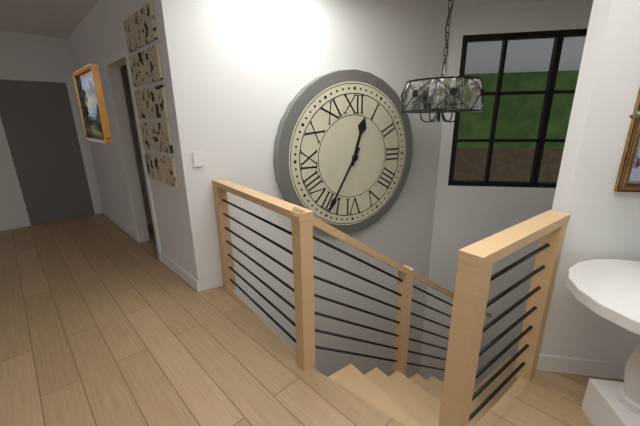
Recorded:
h=12 m=35
